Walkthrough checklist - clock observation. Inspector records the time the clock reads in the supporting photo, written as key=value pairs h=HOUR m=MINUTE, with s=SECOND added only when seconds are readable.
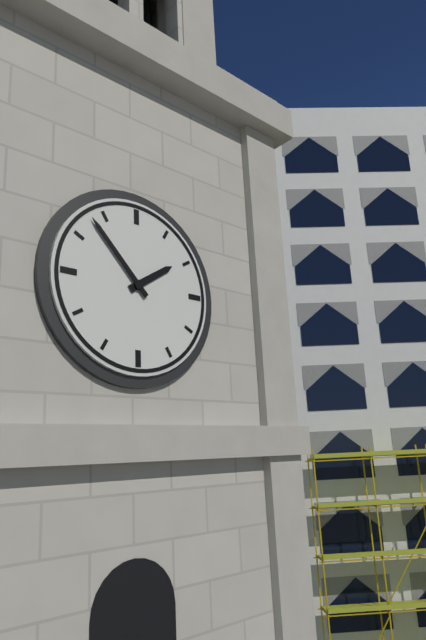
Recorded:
h=1 m=53
